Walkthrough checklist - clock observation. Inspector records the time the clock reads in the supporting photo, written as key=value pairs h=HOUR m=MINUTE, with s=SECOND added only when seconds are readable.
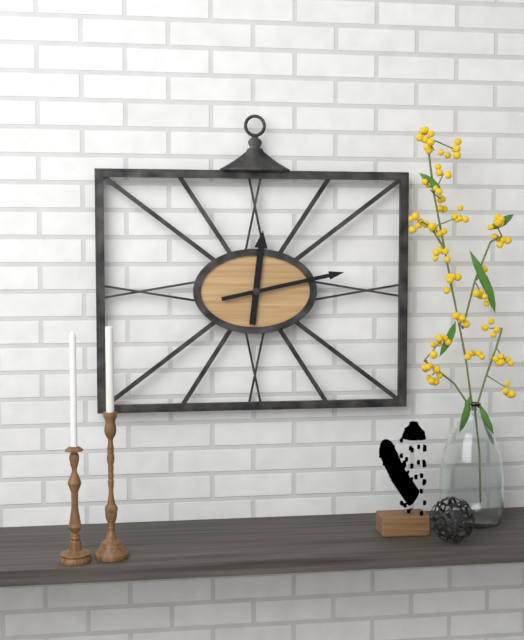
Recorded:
h=12 m=13
